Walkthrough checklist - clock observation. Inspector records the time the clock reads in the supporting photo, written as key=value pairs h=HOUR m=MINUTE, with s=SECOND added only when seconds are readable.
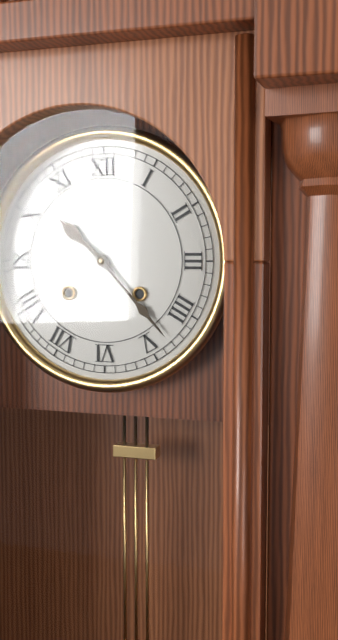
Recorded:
h=10 m=23
